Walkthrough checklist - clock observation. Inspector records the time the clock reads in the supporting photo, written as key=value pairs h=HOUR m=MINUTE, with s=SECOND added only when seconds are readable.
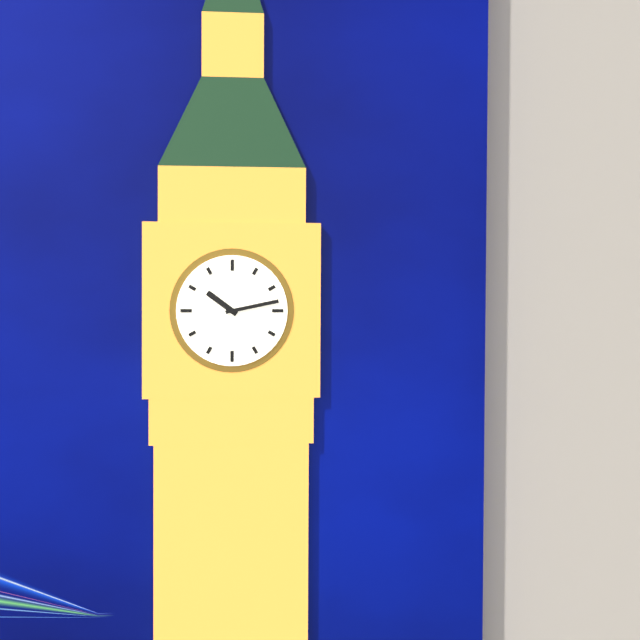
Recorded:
h=10 m=13
